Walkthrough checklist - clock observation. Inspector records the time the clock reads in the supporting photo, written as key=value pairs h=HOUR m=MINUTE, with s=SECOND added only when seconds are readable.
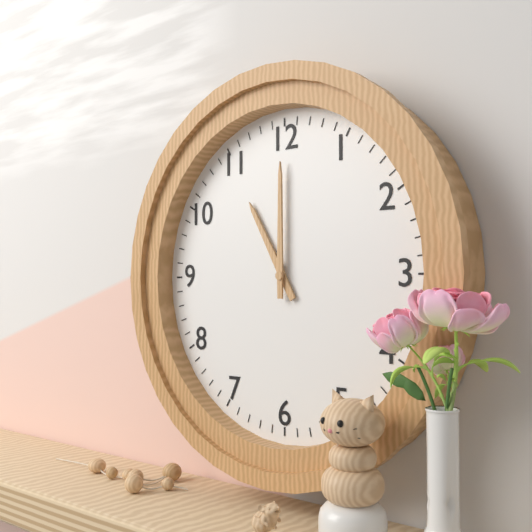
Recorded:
h=11 m=0
